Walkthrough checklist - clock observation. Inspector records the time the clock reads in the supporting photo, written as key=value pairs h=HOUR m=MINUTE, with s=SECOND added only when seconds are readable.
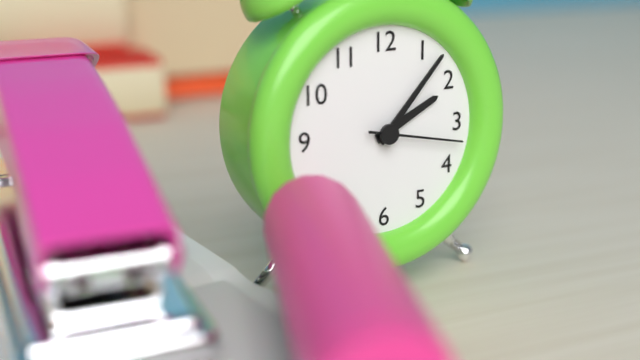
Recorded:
h=2 m=7 s=17
